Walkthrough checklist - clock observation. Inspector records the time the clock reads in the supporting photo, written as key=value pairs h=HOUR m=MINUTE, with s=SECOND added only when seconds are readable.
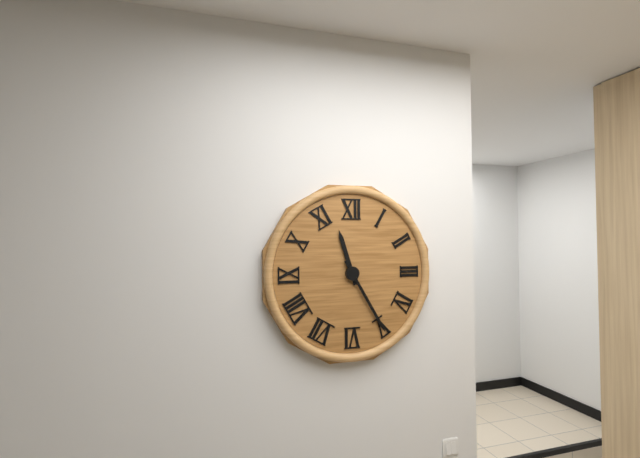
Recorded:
h=11 m=25
